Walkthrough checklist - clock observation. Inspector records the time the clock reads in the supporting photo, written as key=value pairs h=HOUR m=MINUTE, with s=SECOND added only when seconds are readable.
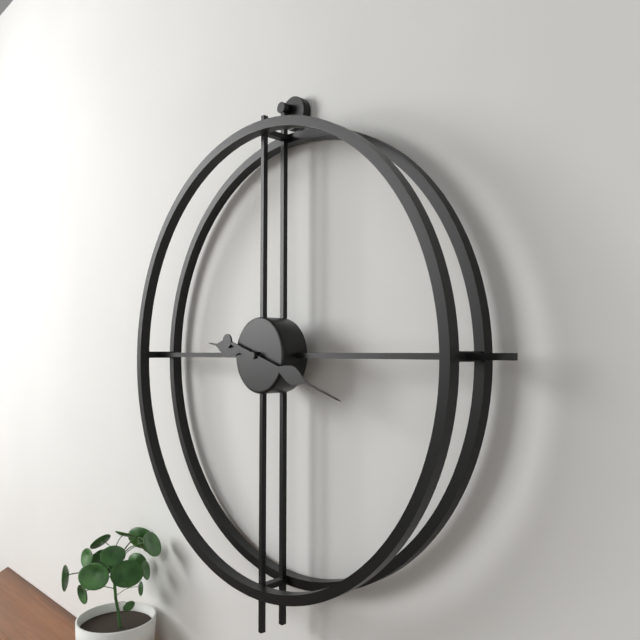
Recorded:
h=9 m=18
